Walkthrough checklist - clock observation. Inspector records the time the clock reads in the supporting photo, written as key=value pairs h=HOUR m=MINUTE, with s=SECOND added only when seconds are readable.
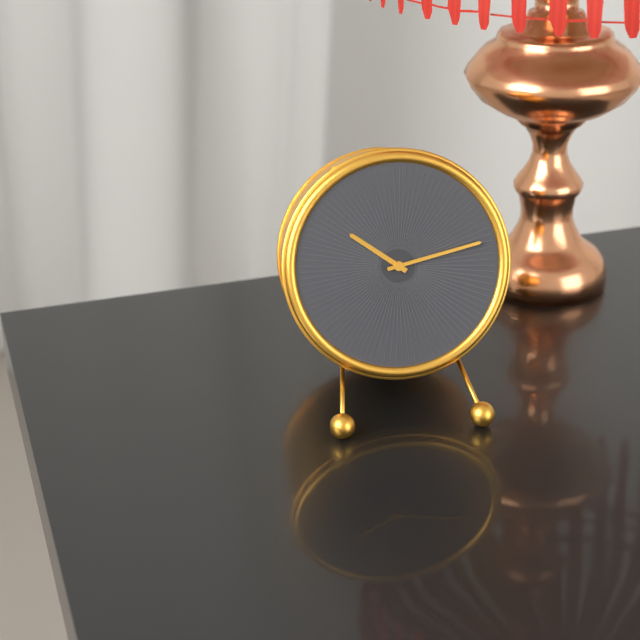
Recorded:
h=10 m=13
